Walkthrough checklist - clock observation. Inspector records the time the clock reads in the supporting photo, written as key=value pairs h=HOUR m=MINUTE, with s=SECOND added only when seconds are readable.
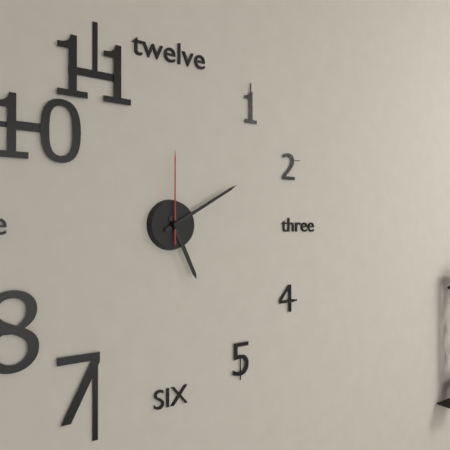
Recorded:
h=5 m=10 s=0
